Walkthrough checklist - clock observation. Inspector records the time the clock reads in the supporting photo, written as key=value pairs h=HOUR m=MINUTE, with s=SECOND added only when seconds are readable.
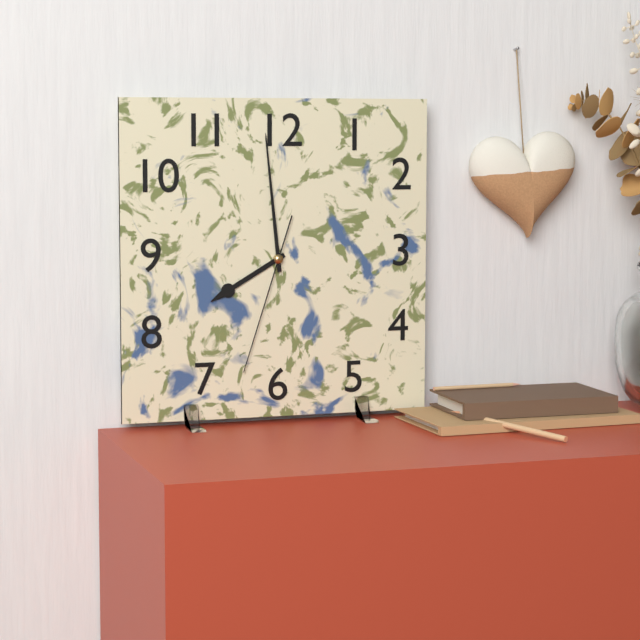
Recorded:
h=7 m=59 s=33
